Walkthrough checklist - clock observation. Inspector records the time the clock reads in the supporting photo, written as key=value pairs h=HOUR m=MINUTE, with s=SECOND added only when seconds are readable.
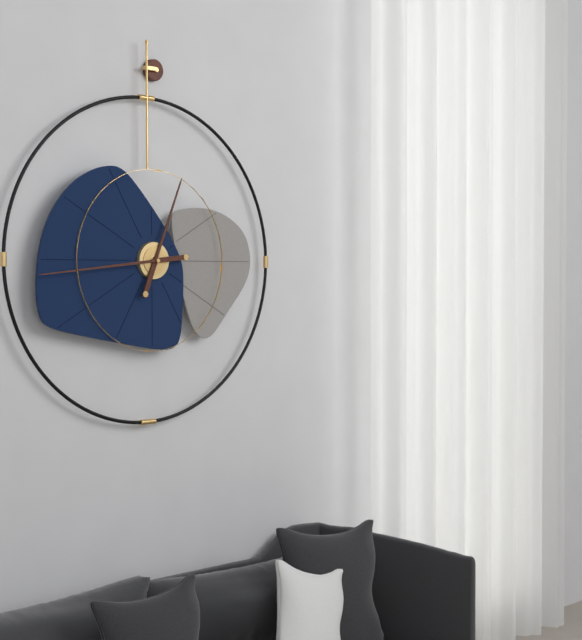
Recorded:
h=12 m=44
